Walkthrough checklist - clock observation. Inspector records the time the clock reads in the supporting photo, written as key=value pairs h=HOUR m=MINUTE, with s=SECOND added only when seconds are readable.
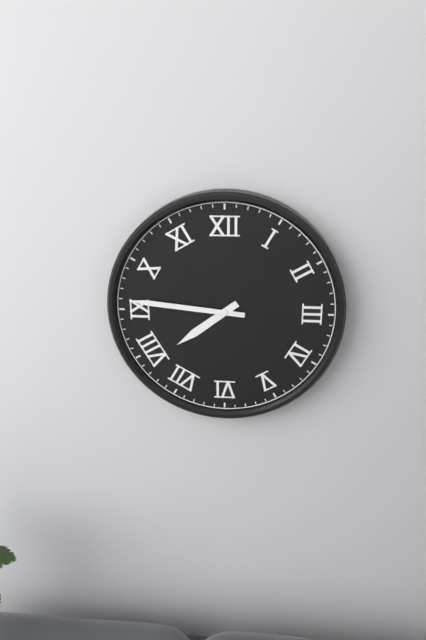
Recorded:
h=7 m=46
